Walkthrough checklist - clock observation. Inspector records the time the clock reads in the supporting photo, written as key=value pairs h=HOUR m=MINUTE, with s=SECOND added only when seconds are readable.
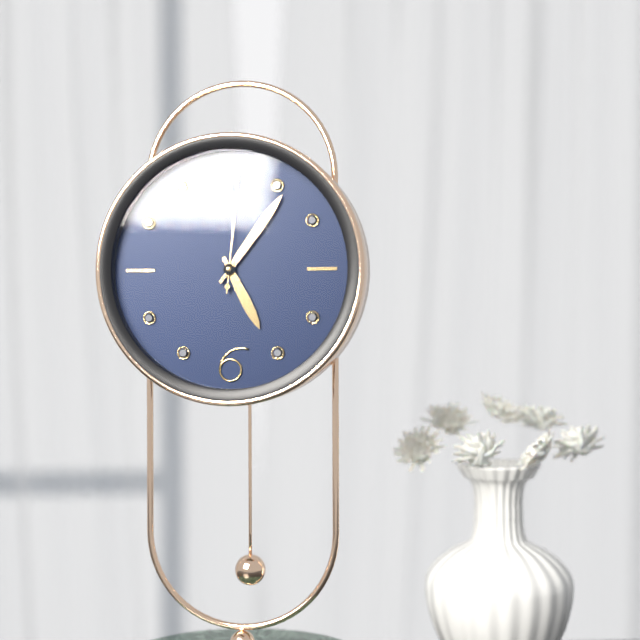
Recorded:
h=5 m=6 s=1
